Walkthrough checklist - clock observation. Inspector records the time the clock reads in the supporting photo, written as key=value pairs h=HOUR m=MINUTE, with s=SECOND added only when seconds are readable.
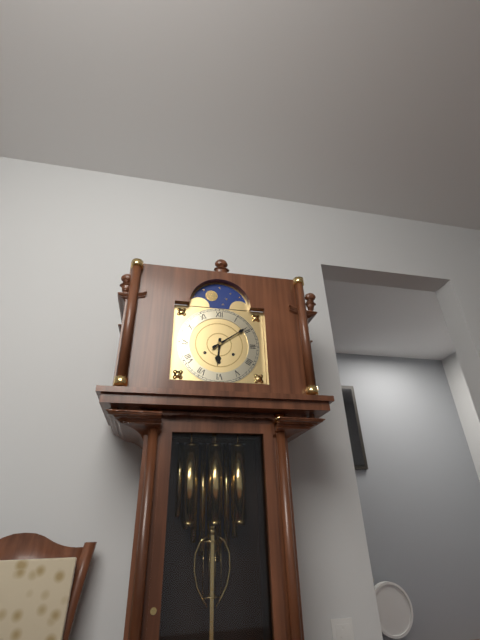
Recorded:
h=6 m=9
